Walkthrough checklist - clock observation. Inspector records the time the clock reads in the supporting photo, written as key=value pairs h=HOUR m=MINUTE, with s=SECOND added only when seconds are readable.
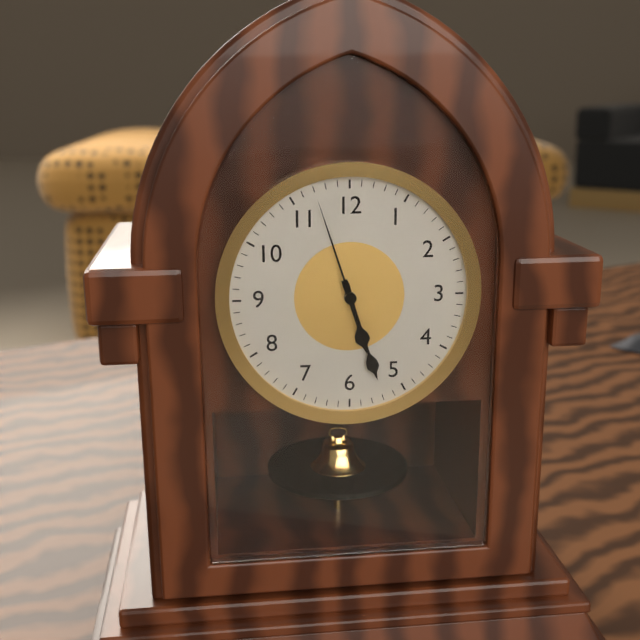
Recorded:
h=5 m=27 s=57
